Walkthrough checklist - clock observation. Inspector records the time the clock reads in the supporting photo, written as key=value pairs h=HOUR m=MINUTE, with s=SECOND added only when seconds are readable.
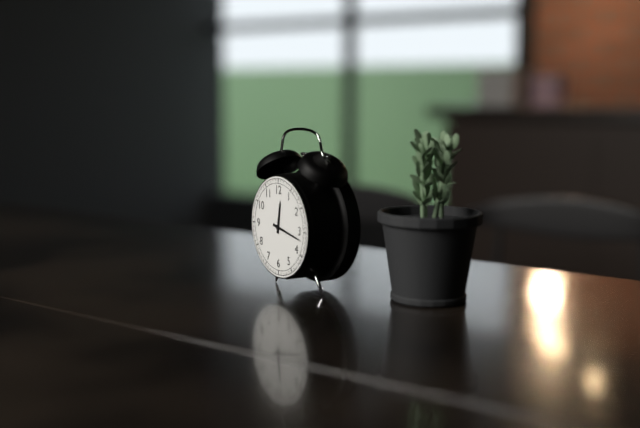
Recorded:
h=12 m=17
